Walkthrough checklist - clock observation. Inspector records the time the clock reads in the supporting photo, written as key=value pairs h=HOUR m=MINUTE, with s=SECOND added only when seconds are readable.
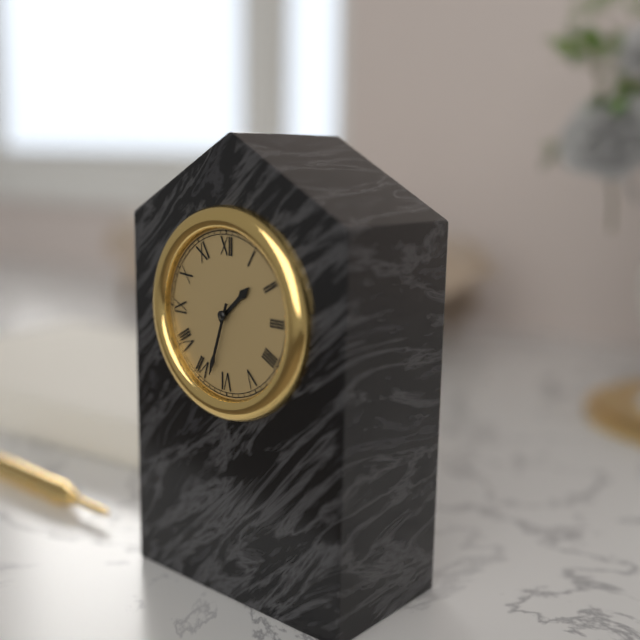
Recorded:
h=1 m=33
